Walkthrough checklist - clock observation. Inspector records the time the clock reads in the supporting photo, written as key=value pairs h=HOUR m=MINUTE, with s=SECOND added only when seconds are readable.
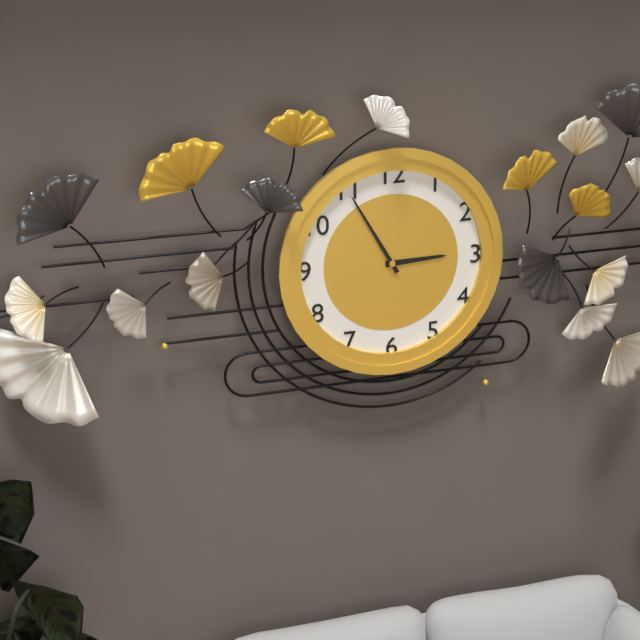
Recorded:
h=2 m=55
